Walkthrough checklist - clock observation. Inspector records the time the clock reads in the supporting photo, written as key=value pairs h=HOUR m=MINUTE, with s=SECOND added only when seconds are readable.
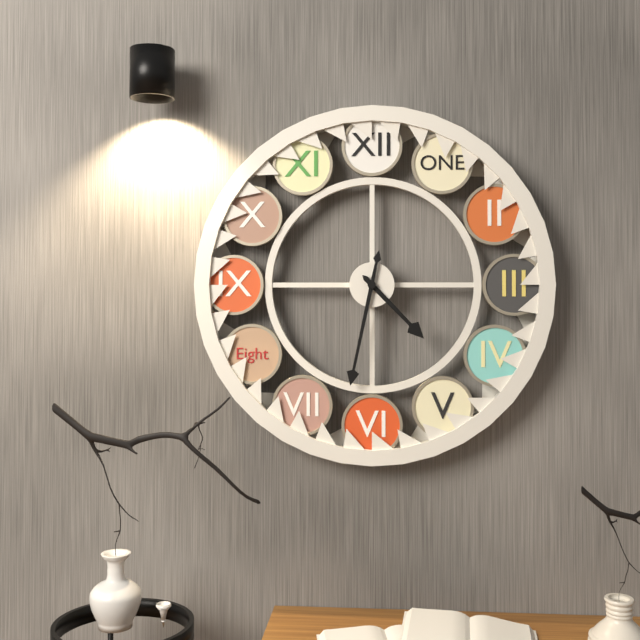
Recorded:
h=4 m=32
